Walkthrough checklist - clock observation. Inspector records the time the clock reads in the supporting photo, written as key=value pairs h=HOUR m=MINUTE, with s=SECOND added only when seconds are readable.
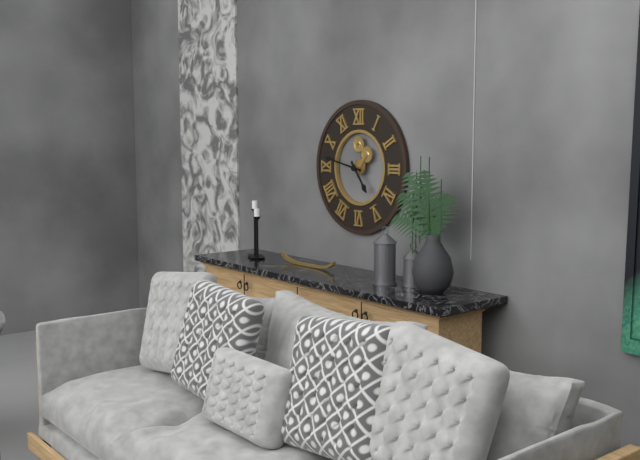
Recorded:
h=4 m=47
